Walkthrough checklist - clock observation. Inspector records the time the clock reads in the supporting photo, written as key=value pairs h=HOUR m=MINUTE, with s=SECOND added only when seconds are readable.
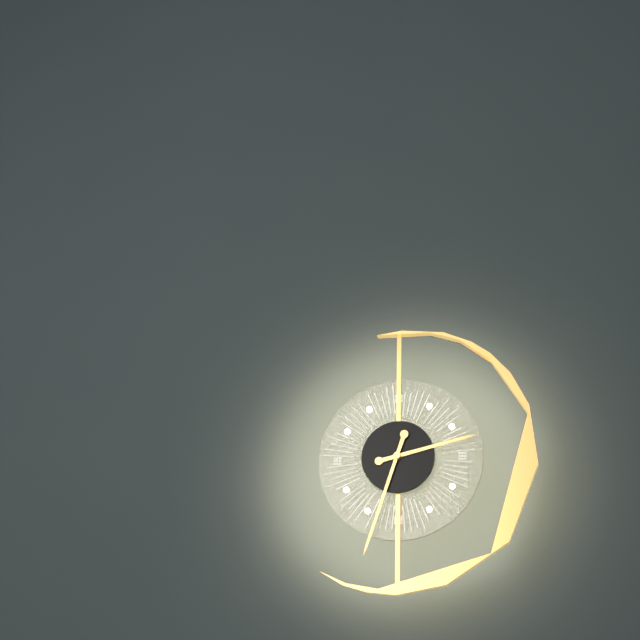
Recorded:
h=2 m=33
